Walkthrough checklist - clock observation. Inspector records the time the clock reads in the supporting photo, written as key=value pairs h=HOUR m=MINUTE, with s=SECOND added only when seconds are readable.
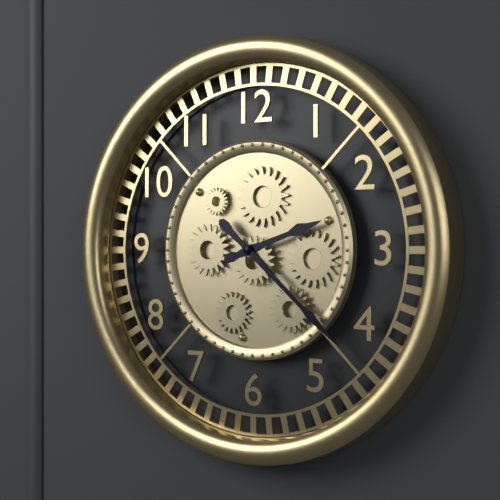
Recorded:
h=2 m=22
